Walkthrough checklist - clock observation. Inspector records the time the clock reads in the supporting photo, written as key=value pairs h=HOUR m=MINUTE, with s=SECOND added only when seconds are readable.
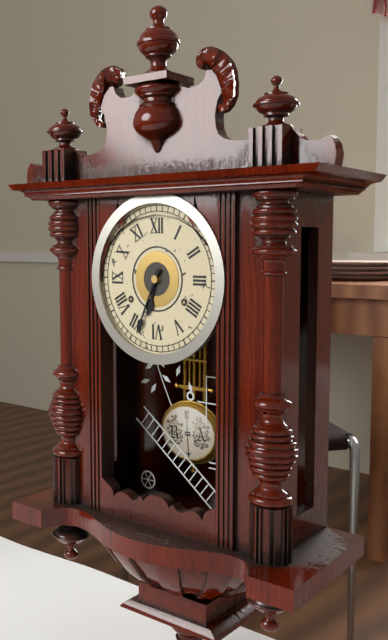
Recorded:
h=6 m=34
